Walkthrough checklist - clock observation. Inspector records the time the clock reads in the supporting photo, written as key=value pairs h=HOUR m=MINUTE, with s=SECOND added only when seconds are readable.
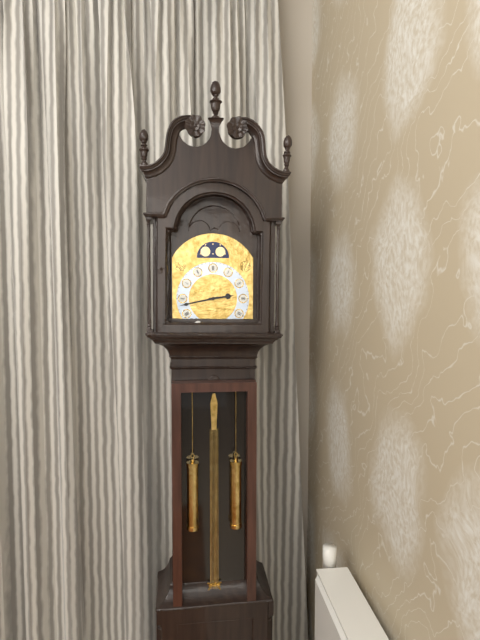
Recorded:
h=2 m=43
